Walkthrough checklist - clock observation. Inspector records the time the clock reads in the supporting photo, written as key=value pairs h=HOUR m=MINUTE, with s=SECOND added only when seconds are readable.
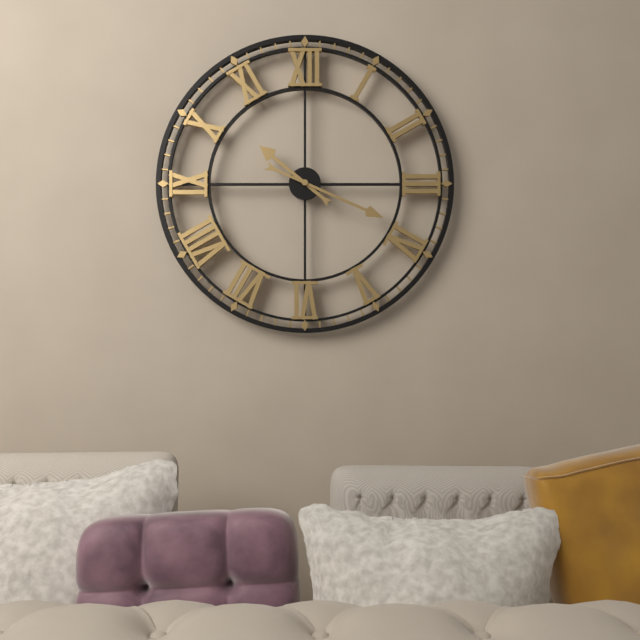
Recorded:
h=10 m=19
